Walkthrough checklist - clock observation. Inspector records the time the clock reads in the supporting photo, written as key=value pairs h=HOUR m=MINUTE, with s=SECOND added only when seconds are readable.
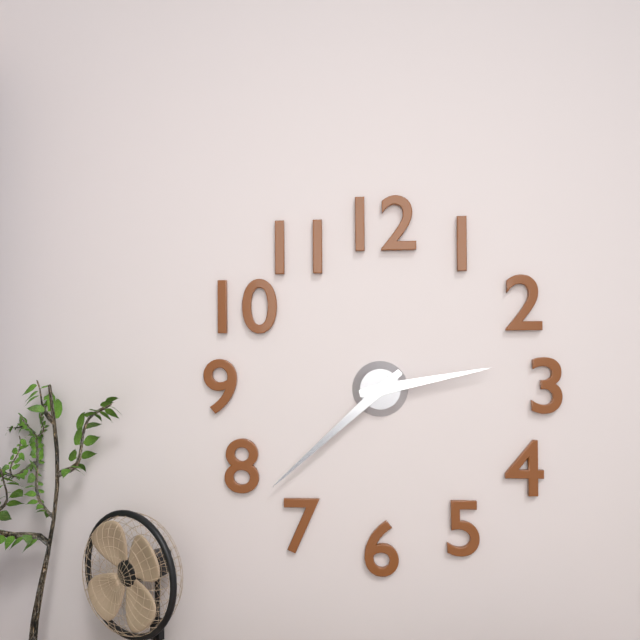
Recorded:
h=2 m=38
